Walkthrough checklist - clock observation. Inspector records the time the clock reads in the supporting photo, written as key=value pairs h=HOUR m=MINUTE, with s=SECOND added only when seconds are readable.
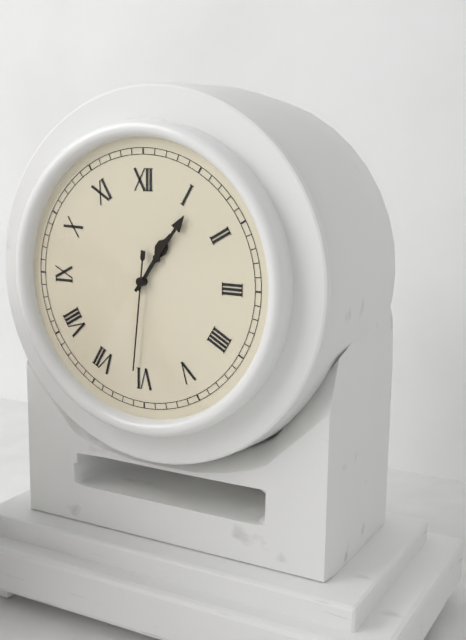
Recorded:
h=1 m=6 s=31
